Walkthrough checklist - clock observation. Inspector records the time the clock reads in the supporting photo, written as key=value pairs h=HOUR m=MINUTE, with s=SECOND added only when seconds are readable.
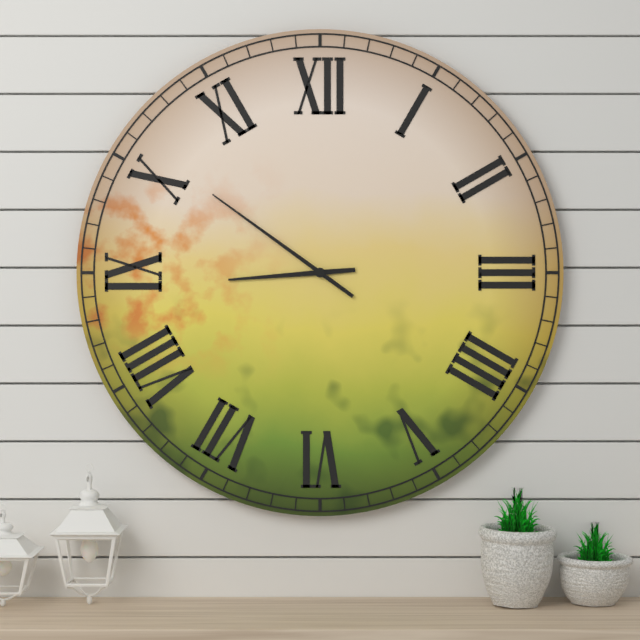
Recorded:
h=8 m=51
